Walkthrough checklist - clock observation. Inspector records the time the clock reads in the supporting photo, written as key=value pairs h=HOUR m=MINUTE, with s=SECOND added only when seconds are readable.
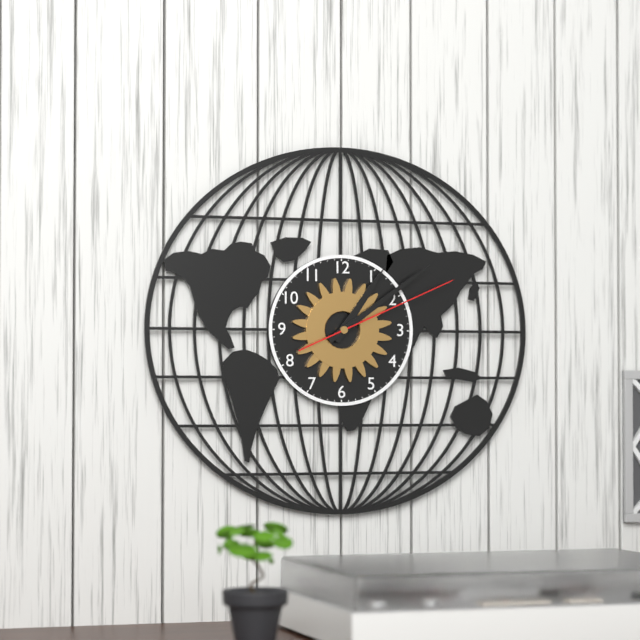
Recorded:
h=1 m=9 s=11
